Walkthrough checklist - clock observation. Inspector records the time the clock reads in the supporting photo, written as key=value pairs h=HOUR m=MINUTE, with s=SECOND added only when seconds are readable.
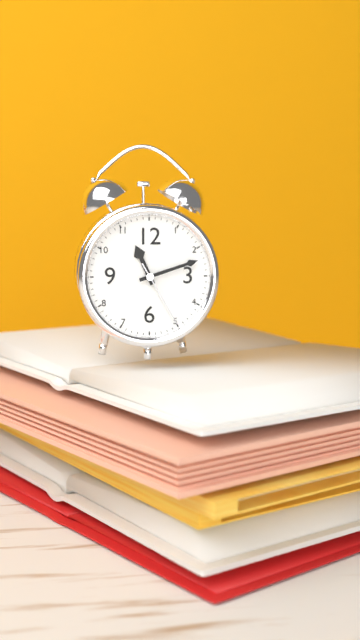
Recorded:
h=11 m=12 s=25
